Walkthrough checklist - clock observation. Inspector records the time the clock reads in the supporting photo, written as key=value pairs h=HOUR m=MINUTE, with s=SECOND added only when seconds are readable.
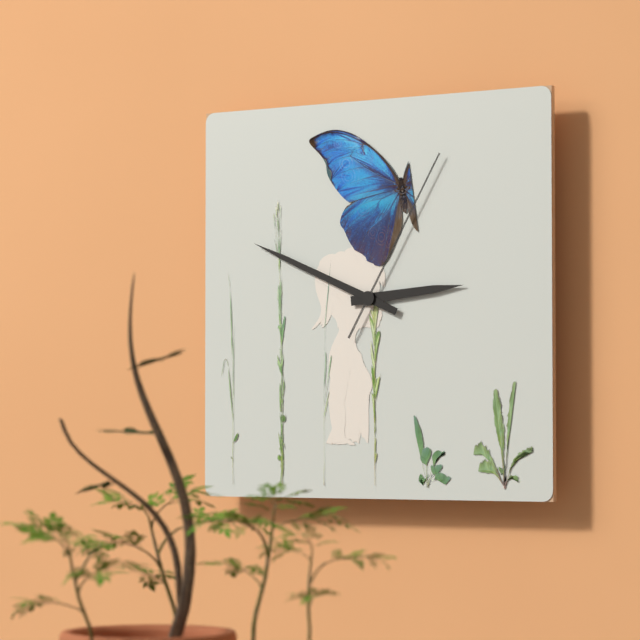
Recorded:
h=2 m=49 s=5
